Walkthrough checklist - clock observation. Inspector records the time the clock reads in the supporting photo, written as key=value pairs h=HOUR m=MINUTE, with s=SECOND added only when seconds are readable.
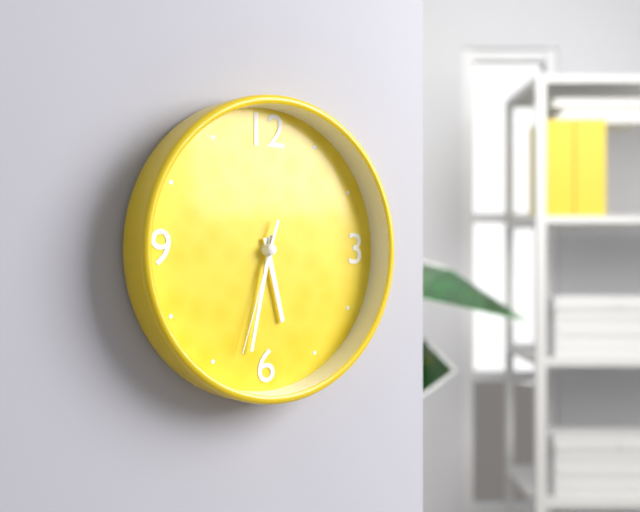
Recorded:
h=5 m=32 s=33
